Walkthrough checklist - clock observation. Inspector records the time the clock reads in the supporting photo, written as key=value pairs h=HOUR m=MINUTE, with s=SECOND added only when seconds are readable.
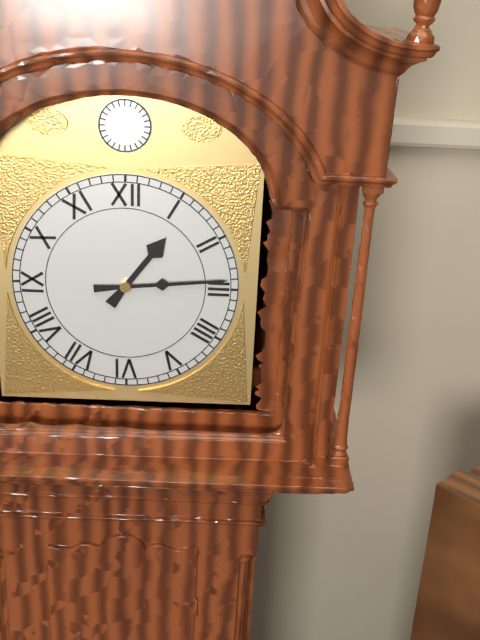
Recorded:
h=1 m=14
